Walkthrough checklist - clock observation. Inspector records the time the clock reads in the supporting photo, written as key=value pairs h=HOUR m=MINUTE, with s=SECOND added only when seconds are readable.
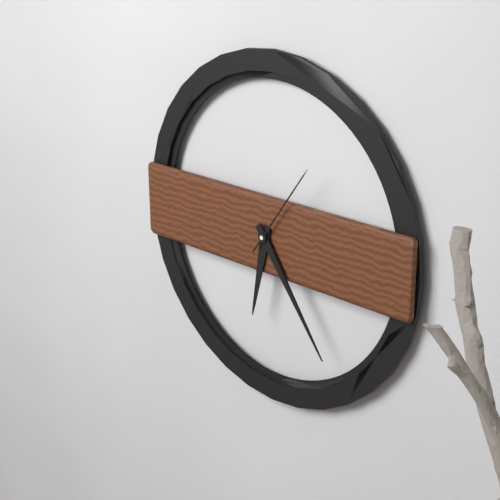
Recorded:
h=6 m=24 s=6
